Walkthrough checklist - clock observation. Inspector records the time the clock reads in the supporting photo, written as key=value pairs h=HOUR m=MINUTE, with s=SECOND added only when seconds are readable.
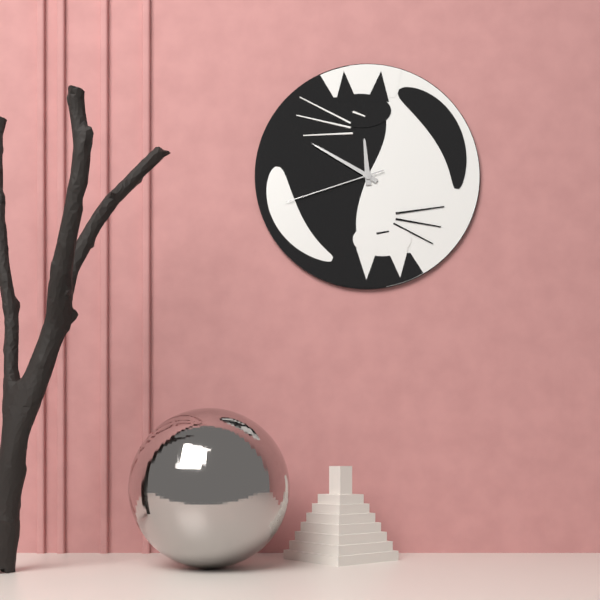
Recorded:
h=11 m=50 s=42
